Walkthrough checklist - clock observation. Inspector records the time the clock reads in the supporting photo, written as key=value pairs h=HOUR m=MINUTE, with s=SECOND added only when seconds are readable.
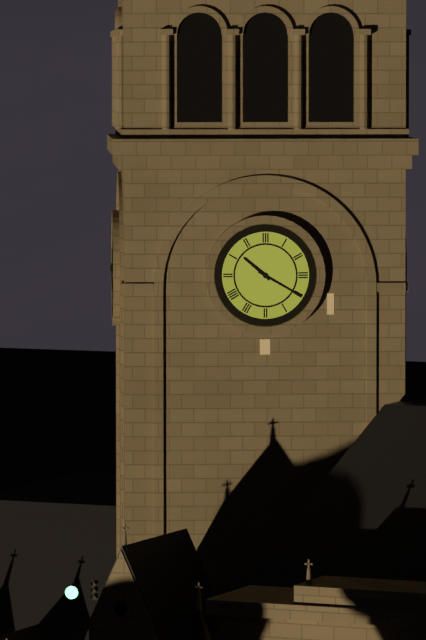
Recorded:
h=10 m=20
